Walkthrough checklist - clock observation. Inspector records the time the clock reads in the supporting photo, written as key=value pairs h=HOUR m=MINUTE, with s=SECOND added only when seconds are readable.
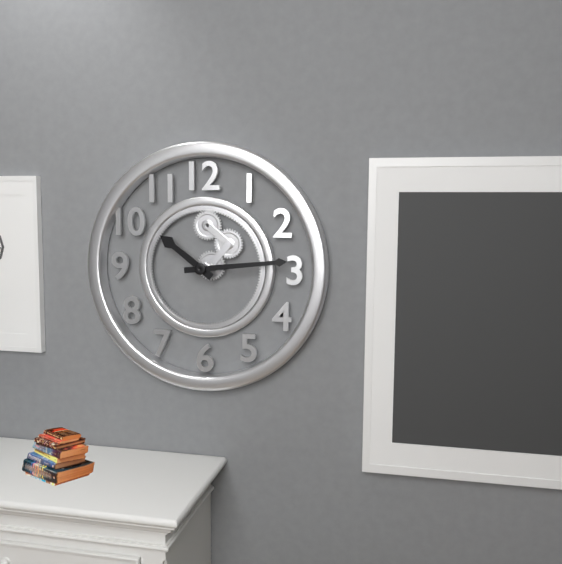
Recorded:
h=10 m=14
